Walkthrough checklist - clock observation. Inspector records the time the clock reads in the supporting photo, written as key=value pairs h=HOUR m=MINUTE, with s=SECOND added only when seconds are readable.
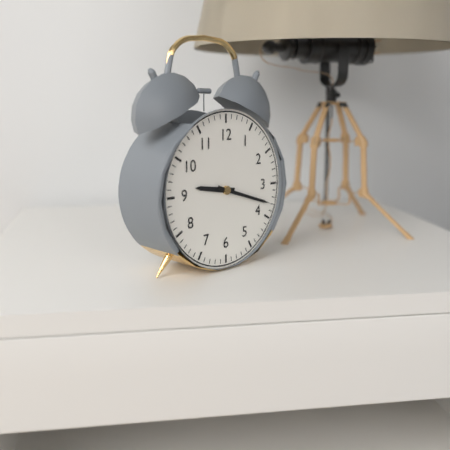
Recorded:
h=9 m=18
